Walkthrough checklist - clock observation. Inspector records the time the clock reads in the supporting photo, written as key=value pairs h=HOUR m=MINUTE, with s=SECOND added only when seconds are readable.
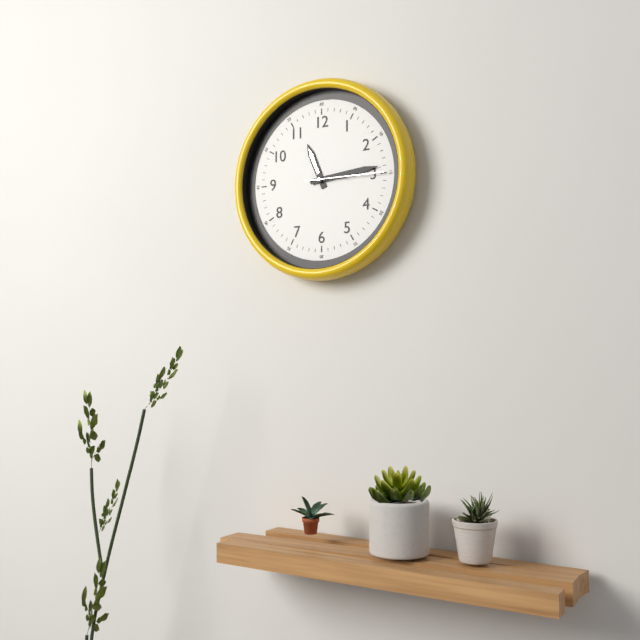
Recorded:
h=11 m=14 s=15
